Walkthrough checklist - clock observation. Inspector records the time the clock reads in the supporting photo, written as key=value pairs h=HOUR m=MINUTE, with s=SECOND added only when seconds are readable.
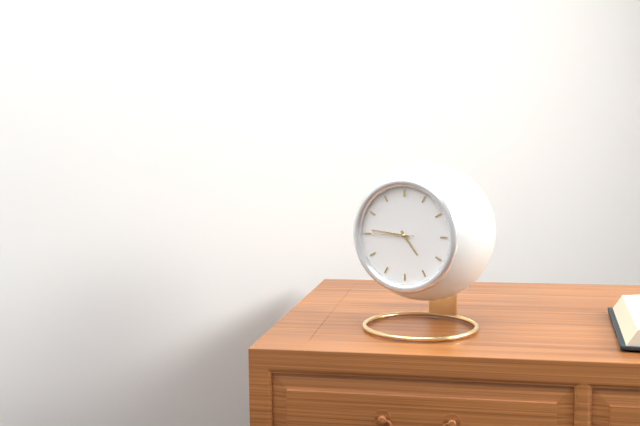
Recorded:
h=4 m=46 s=45
